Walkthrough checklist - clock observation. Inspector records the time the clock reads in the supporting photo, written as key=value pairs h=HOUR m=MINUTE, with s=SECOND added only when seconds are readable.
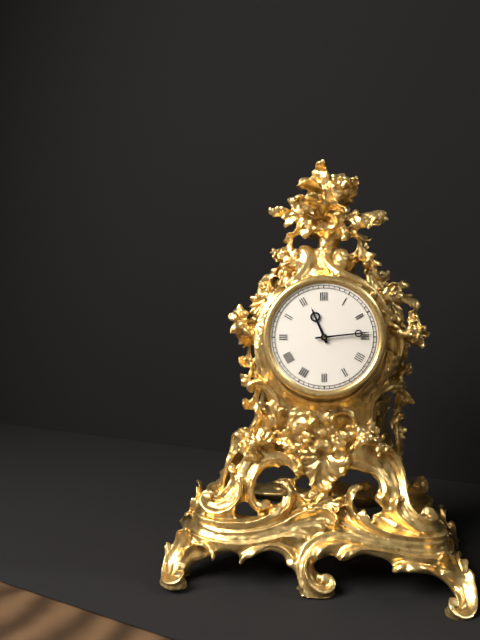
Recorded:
h=11 m=14
